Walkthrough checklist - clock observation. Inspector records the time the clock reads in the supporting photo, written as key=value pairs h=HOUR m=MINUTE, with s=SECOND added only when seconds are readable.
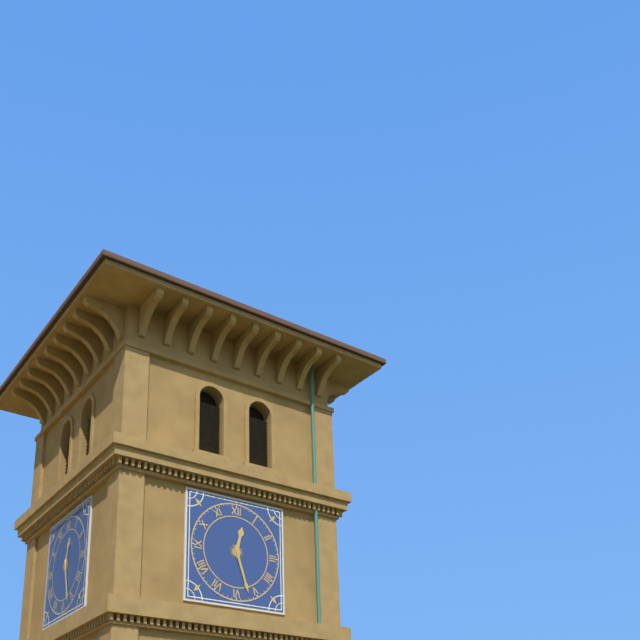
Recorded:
h=12 m=27
